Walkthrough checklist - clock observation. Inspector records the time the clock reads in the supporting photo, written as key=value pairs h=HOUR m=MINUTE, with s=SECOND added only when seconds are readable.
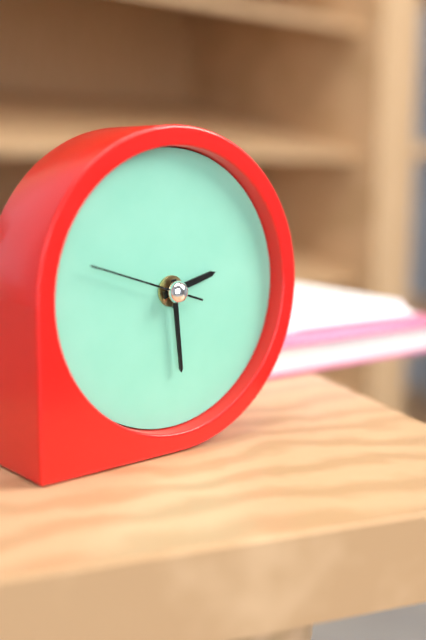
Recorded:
h=2 m=29 s=48
